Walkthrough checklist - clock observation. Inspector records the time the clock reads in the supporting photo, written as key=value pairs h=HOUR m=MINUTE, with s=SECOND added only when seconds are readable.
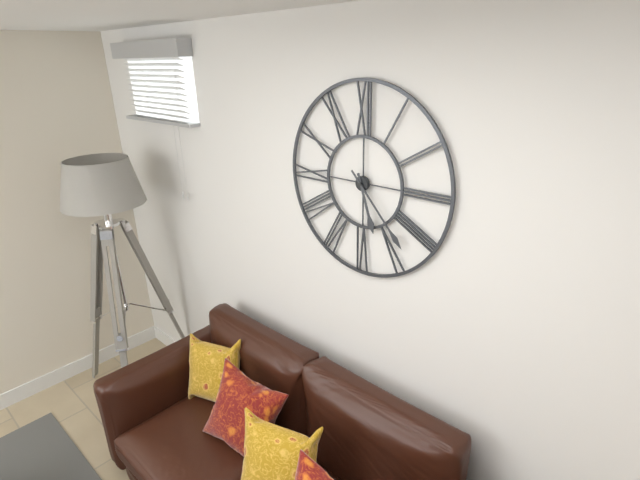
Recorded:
h=5 m=23
